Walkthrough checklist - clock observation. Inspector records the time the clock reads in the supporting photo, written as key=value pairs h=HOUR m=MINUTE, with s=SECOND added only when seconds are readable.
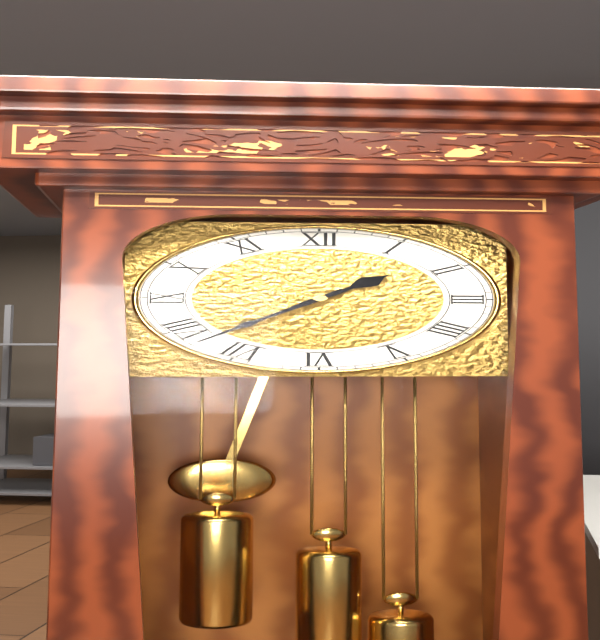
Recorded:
h=1 m=38
